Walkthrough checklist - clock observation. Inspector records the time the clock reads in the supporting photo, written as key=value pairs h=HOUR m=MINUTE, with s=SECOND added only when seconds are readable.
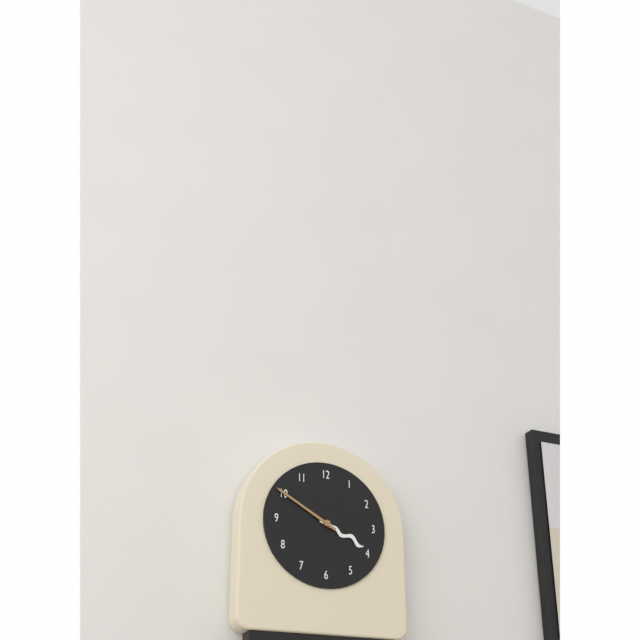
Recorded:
h=3 m=50
